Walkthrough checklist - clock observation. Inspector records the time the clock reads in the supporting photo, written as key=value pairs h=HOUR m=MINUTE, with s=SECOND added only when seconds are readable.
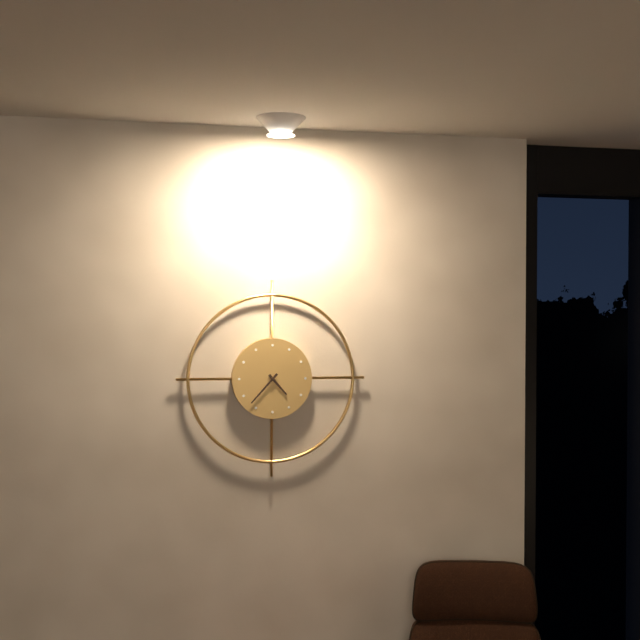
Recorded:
h=4 m=37
